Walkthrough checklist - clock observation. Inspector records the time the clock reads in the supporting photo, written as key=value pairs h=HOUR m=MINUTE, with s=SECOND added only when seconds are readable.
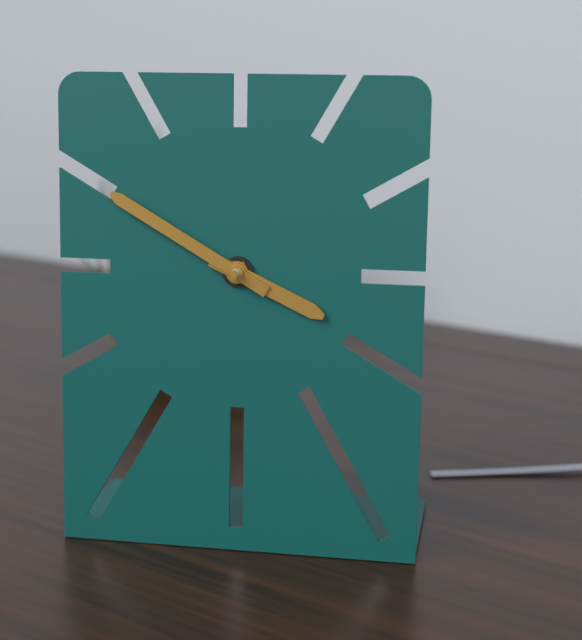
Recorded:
h=3 m=50
